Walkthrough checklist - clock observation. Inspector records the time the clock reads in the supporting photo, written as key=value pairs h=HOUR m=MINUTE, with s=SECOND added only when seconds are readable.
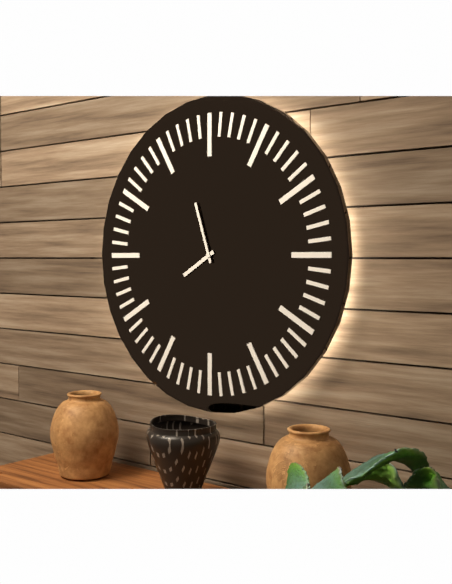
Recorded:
h=7 m=57
